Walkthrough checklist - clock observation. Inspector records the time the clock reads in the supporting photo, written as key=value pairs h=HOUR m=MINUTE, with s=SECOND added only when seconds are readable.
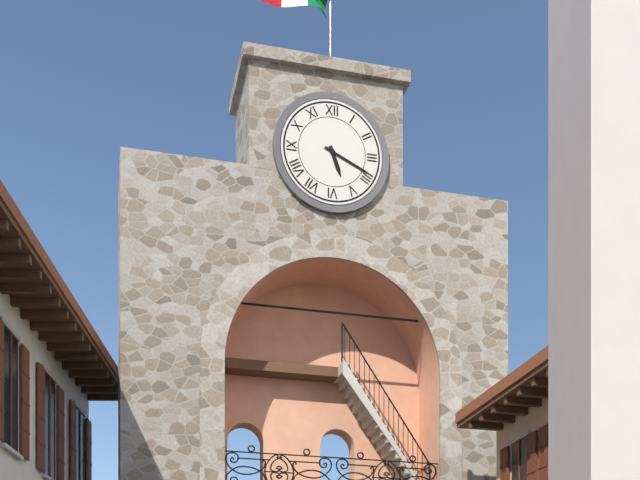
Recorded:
h=5 m=19
